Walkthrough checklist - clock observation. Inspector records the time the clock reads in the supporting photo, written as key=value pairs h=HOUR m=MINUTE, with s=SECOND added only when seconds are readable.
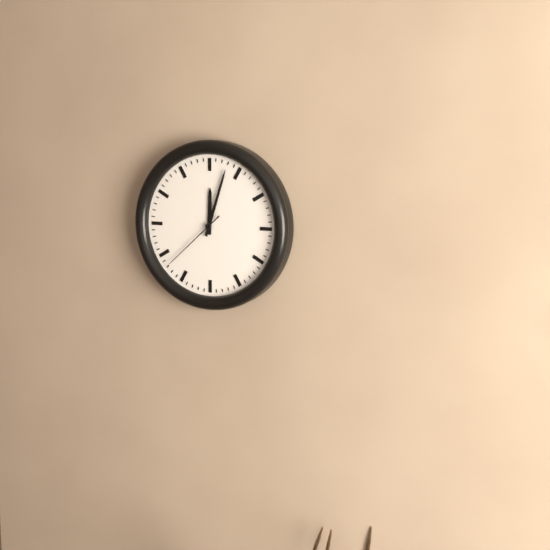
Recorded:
h=12 m=3 s=38
